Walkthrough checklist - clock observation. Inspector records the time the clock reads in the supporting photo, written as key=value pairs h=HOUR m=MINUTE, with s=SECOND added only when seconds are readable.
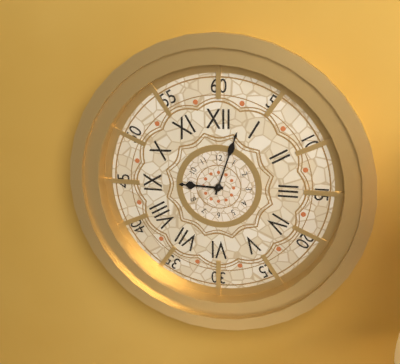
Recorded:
h=9 m=3
